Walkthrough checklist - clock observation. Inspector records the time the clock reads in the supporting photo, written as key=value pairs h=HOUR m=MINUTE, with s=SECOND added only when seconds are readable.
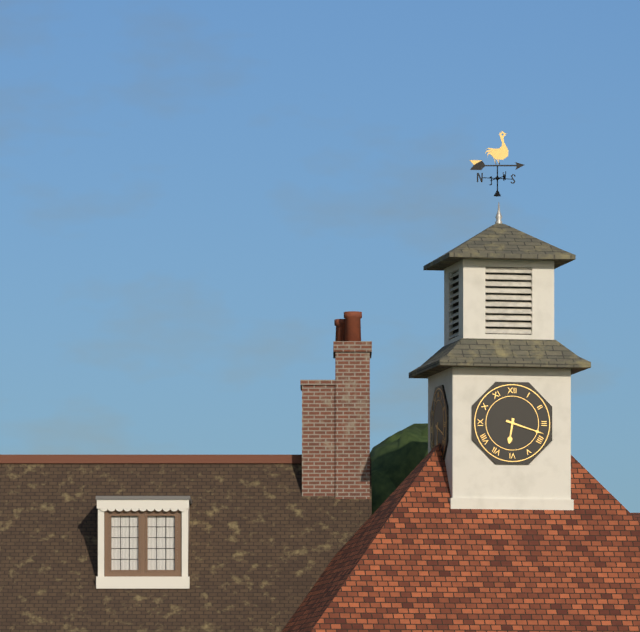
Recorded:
h=6 m=18
